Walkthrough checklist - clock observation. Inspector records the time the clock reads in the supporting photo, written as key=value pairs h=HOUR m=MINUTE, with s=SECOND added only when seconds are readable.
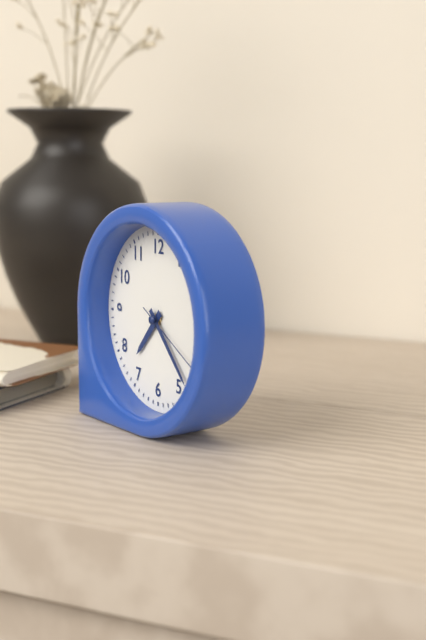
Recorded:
h=7 m=23 s=20
